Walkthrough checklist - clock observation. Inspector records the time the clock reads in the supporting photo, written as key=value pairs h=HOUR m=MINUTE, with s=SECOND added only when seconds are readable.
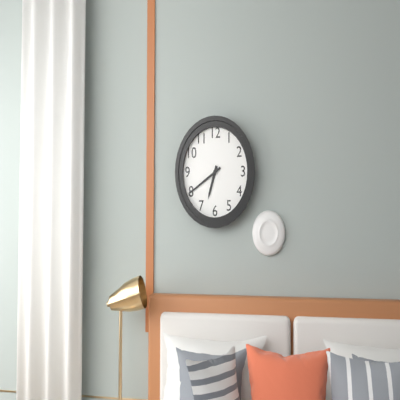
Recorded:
h=6 m=40
